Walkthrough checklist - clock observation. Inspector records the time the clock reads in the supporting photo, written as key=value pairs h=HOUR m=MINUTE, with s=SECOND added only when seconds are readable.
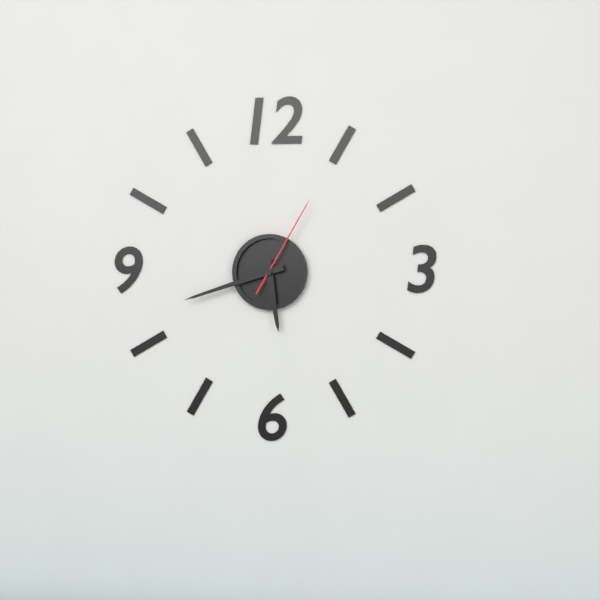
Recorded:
h=5 m=42 s=5
